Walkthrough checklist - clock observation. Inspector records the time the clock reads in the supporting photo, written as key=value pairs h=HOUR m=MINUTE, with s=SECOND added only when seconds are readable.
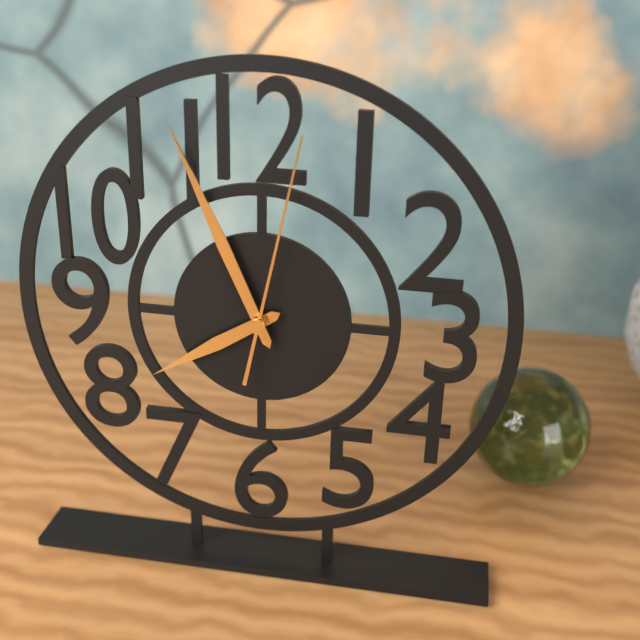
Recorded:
h=7 m=56 s=2
